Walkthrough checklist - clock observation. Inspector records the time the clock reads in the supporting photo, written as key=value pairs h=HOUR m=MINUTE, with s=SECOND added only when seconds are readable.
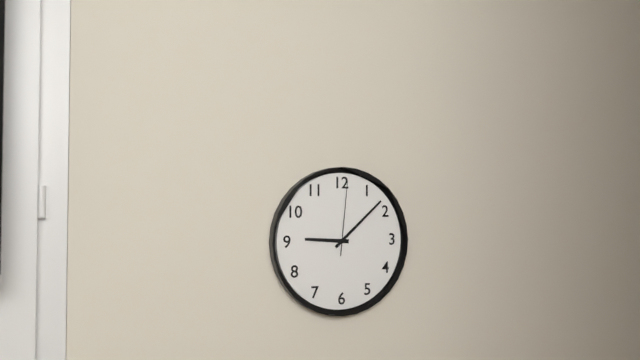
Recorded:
h=9 m=8 s=1
